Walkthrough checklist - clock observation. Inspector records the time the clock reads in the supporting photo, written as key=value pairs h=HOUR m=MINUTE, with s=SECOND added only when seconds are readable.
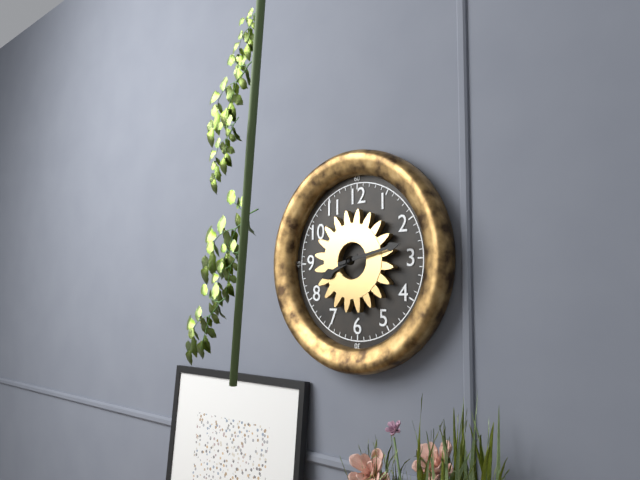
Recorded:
h=8 m=13
